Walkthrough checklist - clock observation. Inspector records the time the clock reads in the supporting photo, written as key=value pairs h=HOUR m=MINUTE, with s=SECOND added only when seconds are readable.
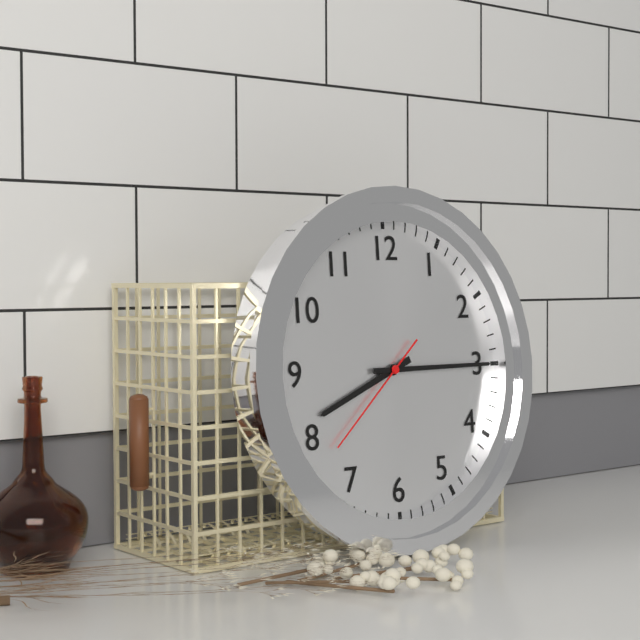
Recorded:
h=8 m=15 s=38
